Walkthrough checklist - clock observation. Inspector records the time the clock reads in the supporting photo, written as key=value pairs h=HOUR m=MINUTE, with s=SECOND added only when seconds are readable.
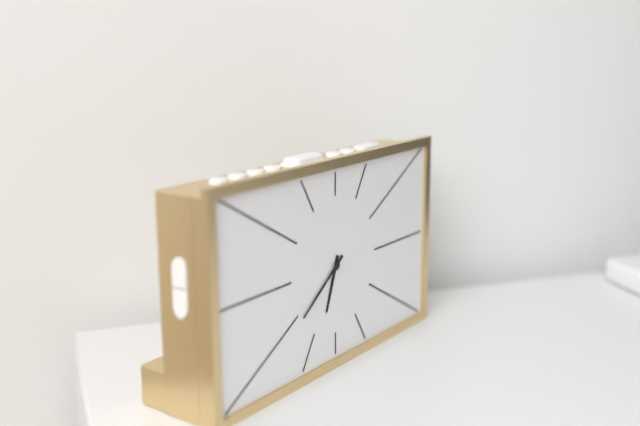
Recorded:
h=6 m=39
